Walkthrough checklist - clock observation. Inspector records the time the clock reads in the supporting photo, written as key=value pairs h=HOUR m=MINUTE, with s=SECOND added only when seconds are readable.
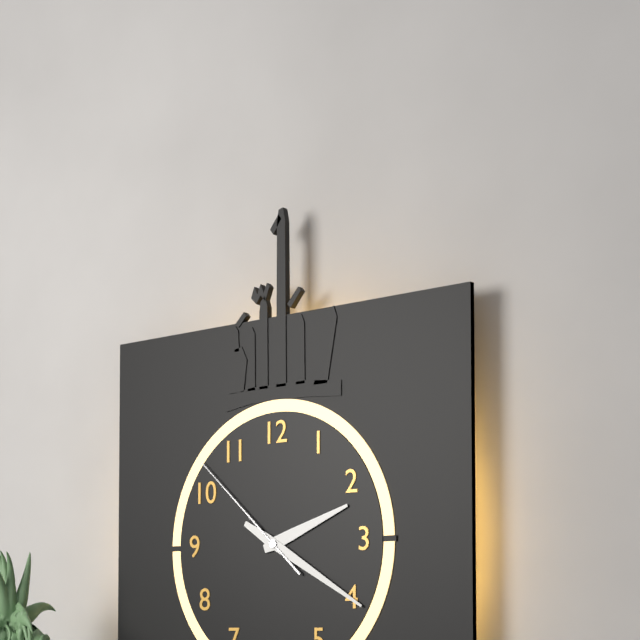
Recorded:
h=2 m=20 s=52
